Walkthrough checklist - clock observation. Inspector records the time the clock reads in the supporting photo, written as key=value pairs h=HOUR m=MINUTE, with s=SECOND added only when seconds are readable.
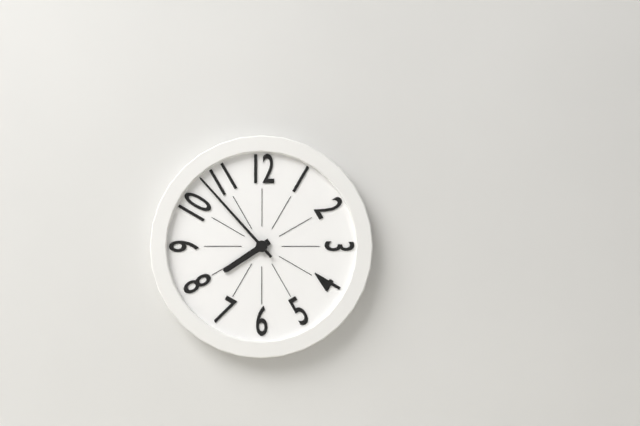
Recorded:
h=7 m=53
